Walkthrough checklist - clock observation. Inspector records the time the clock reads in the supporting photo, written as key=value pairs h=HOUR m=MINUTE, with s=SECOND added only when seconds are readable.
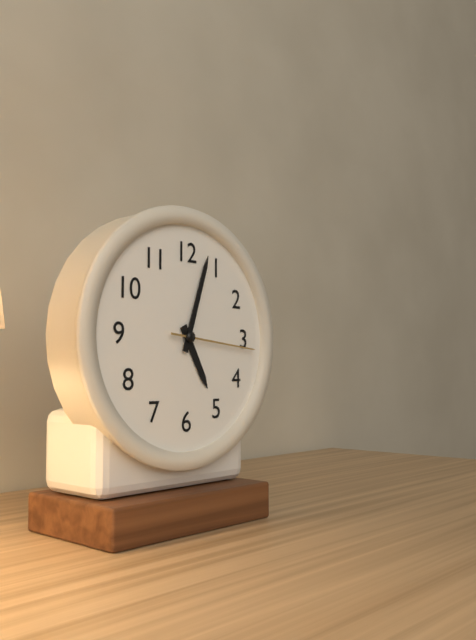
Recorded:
h=5 m=3 s=16
